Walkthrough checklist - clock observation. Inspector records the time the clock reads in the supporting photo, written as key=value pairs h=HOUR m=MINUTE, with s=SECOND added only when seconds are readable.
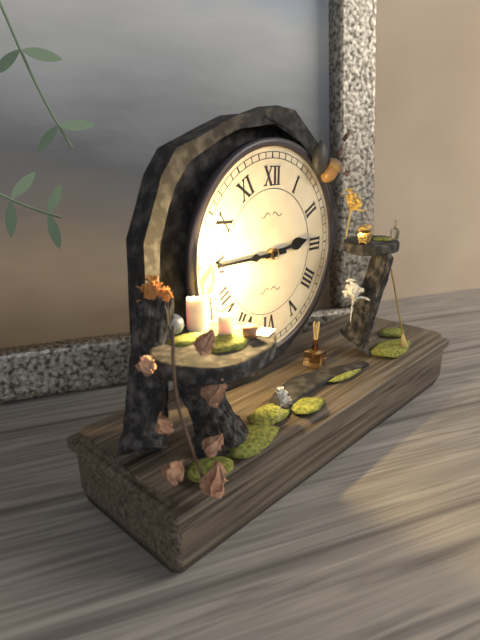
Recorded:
h=2 m=45
